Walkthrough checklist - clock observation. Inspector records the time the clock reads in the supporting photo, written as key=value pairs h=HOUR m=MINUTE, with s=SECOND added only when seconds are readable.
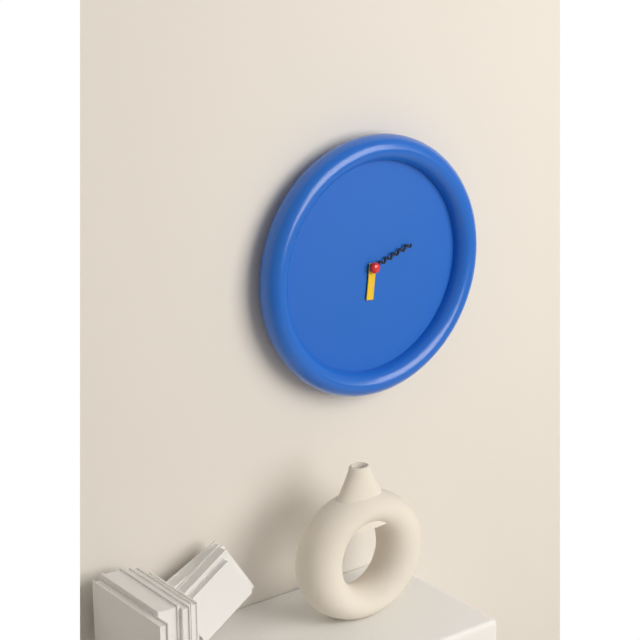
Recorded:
h=6 m=12
